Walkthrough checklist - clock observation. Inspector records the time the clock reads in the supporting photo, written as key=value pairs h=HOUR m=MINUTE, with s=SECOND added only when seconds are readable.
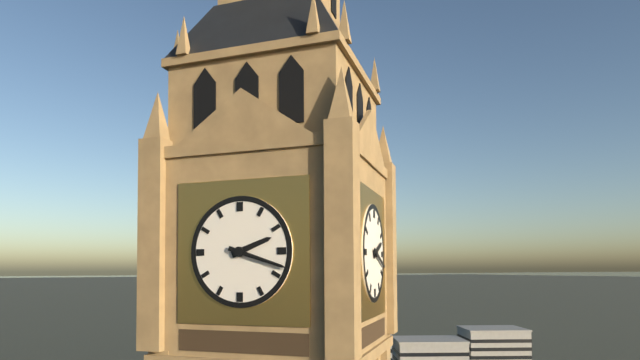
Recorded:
h=2 m=18
